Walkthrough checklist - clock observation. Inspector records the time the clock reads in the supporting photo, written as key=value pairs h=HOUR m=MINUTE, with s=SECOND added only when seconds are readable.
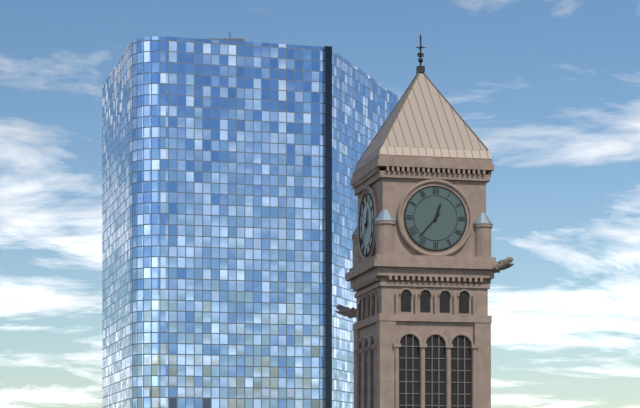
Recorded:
h=12 m=37
